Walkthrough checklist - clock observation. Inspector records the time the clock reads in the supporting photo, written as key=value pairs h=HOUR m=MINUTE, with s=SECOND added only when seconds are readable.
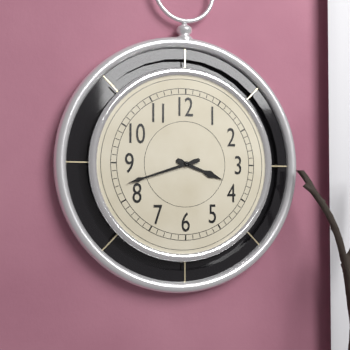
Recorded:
h=3 m=42
